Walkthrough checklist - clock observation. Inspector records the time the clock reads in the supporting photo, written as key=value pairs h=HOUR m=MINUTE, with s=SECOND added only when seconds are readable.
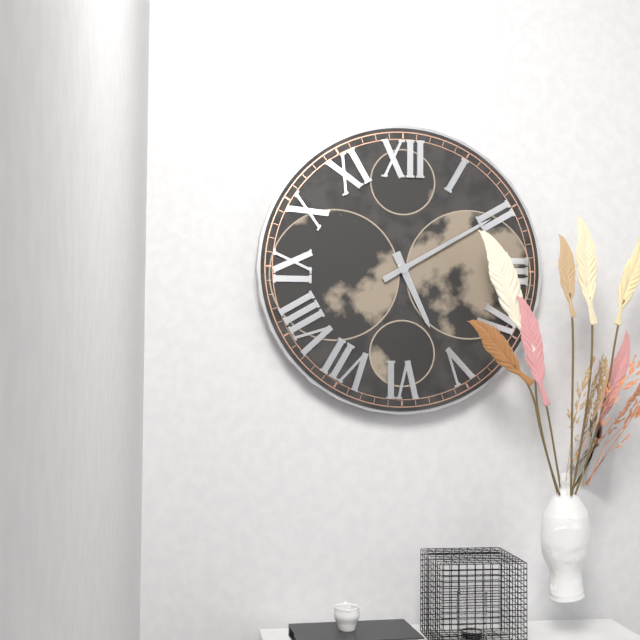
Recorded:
h=5 m=10
